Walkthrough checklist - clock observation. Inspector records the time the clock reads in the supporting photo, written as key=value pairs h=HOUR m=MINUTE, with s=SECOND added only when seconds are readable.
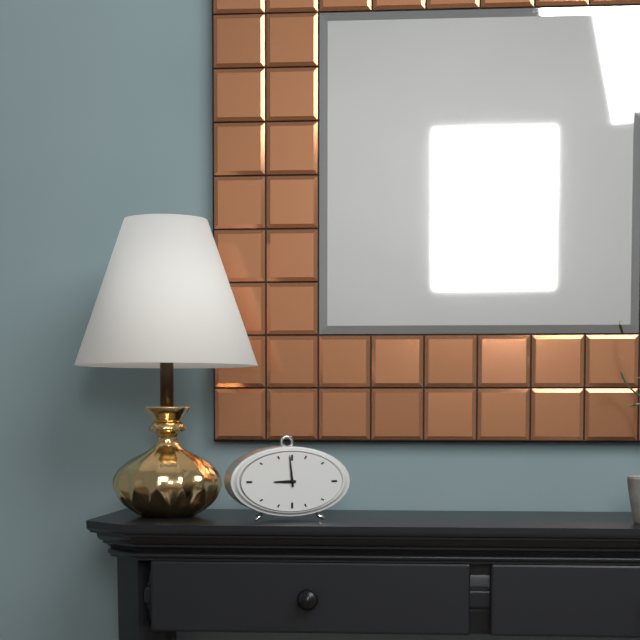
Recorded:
h=8 m=59
